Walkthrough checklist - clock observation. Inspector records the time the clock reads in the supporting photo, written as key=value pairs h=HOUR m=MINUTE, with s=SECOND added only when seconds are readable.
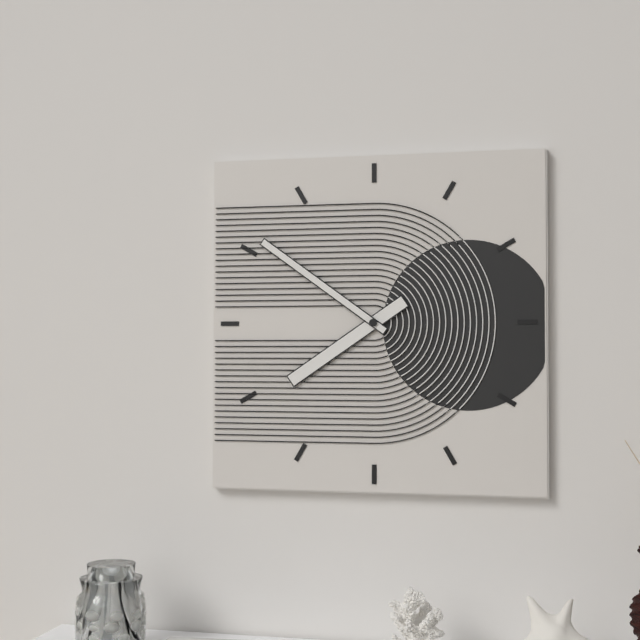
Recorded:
h=7 m=51
